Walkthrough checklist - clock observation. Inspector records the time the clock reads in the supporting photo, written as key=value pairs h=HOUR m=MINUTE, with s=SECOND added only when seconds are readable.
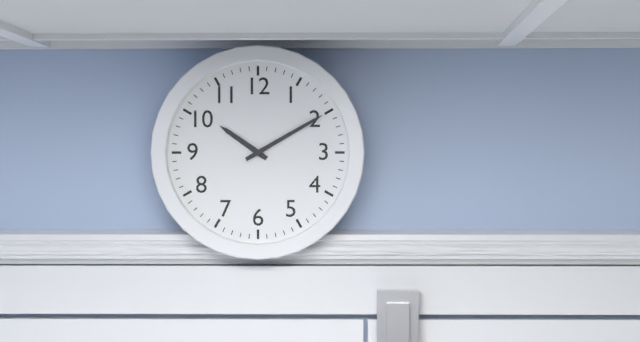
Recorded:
h=10 m=10
